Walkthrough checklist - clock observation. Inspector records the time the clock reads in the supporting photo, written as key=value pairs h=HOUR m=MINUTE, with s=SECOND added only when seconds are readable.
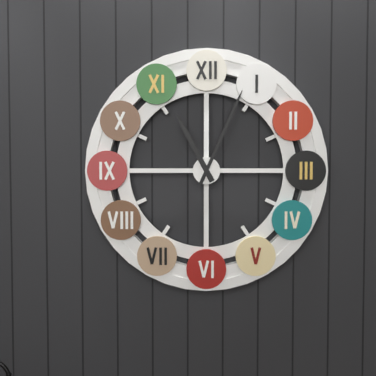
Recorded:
h=11 m=4
